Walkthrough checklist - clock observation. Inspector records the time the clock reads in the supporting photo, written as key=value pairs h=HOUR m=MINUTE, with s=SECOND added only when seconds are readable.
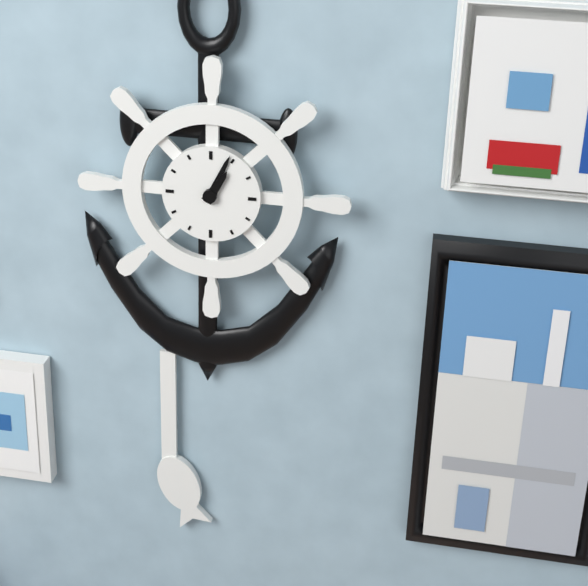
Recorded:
h=1 m=4
